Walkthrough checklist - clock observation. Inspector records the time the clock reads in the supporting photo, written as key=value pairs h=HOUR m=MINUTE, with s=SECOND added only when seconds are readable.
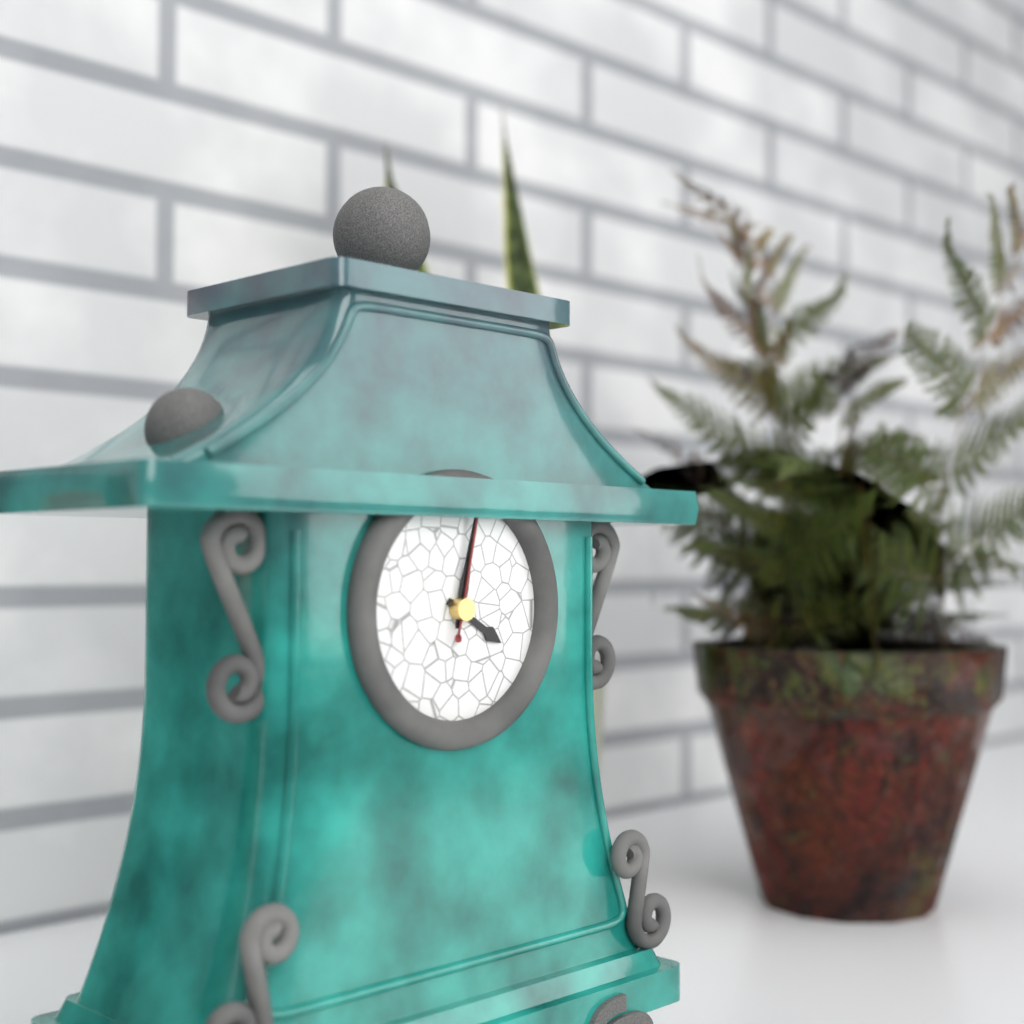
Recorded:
h=4 m=2 s=2
